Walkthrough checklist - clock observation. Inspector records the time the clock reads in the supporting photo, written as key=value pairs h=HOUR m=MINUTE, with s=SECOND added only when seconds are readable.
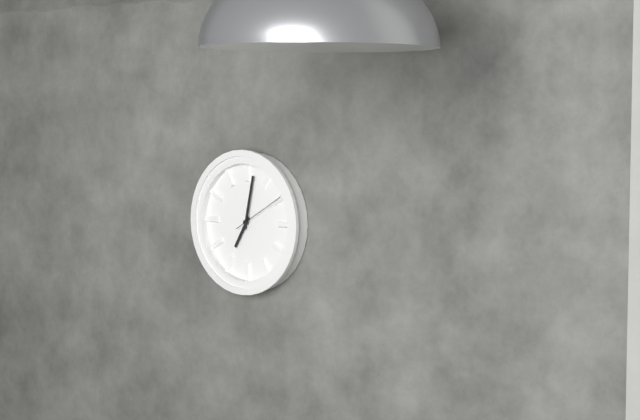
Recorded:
h=7 m=2 s=10
